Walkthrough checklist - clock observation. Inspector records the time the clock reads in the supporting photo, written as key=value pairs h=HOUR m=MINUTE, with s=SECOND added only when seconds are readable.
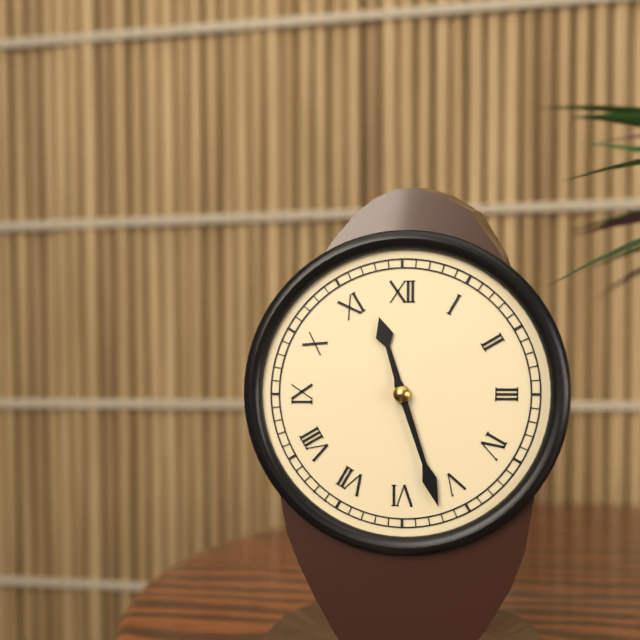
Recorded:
h=11 m=27
